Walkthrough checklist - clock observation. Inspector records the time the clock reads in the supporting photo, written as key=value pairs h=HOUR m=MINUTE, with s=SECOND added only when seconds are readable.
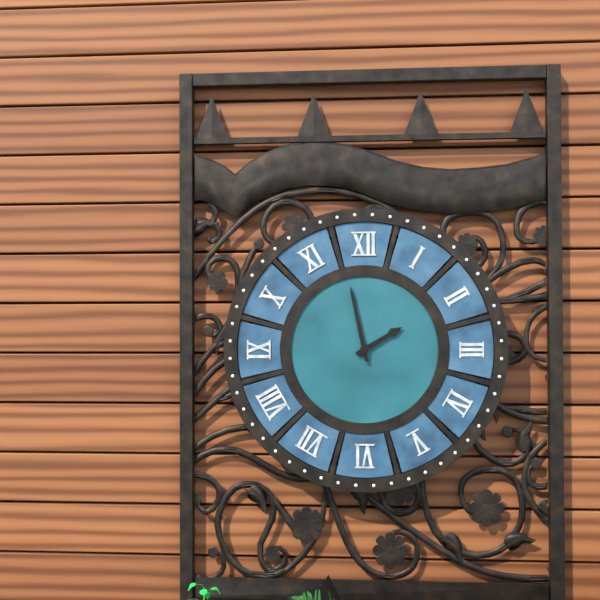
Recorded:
h=1 m=58
